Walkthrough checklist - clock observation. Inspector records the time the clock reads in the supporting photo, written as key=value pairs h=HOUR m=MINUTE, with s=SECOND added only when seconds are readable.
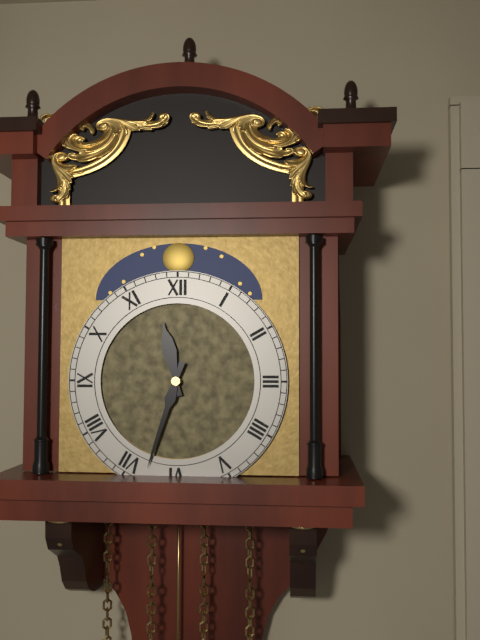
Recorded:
h=11 m=33
